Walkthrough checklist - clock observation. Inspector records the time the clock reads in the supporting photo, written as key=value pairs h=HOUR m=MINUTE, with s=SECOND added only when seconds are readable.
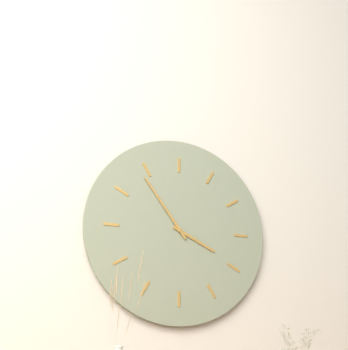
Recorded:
h=3 m=54
